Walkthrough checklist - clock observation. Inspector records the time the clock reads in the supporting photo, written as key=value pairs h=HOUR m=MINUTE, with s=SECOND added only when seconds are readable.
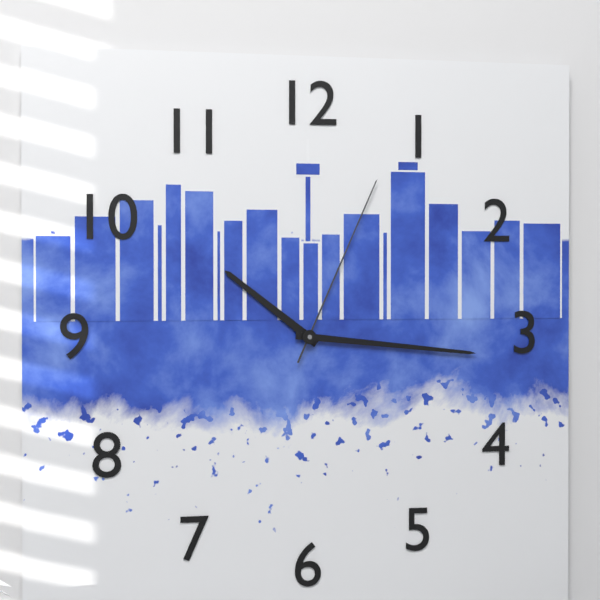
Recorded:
h=10 m=16 s=4
